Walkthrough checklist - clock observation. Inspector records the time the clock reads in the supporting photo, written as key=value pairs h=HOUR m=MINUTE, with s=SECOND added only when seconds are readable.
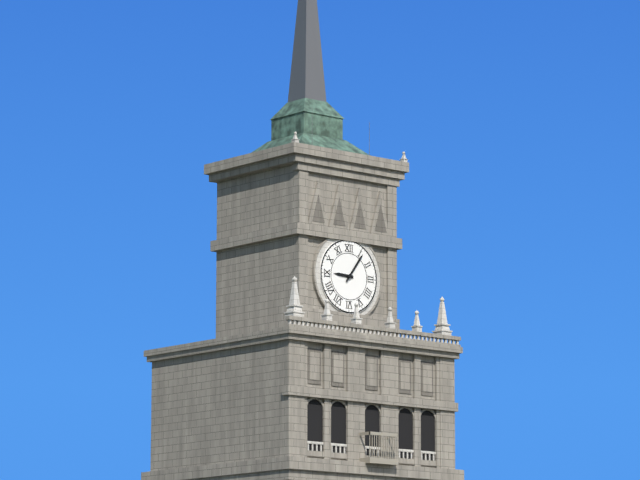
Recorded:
h=9 m=6
